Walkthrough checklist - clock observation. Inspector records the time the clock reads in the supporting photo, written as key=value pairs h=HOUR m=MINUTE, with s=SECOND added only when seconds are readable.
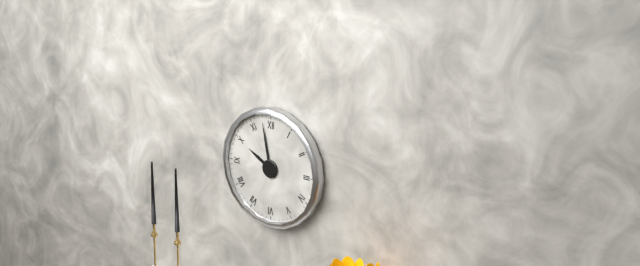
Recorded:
h=9 m=58
